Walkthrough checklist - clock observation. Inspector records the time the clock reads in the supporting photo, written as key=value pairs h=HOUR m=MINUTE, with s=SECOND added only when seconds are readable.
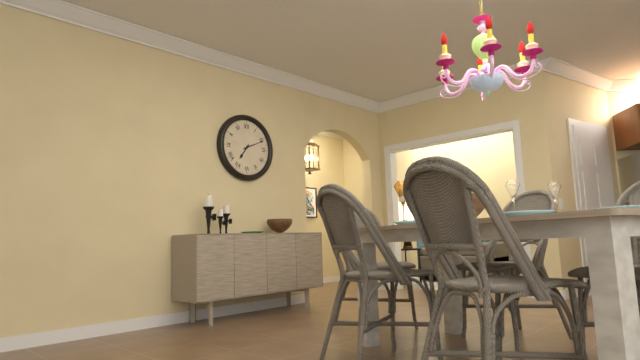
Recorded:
h=7 m=11
